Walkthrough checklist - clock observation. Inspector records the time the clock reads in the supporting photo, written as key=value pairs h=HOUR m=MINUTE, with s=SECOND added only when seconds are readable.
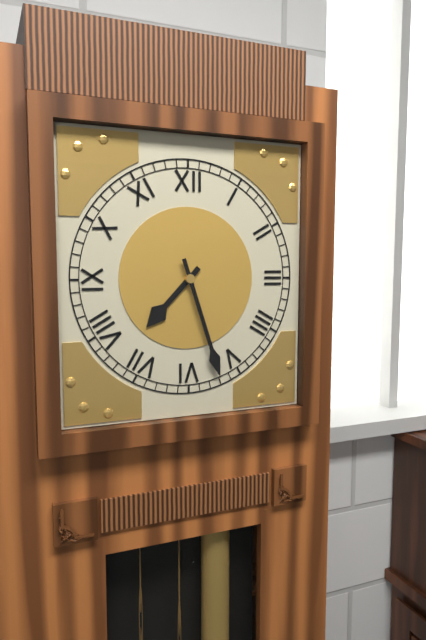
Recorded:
h=7 m=27
